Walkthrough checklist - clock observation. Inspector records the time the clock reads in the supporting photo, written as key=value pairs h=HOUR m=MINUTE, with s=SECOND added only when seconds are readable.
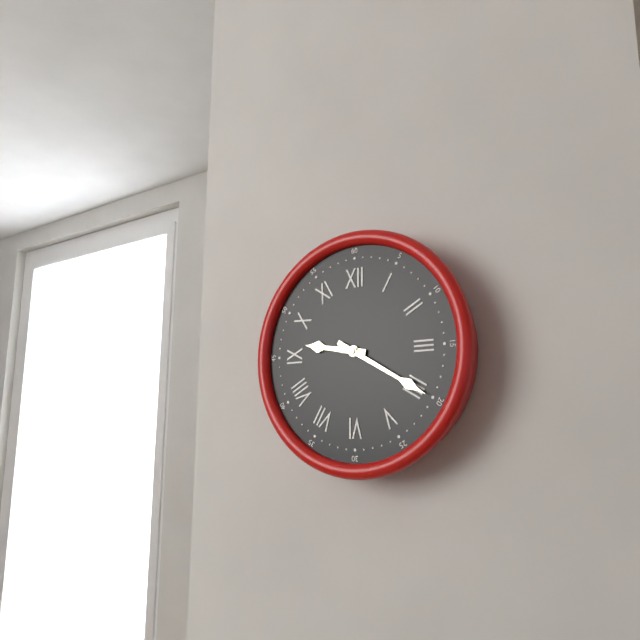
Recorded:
h=9 m=20
